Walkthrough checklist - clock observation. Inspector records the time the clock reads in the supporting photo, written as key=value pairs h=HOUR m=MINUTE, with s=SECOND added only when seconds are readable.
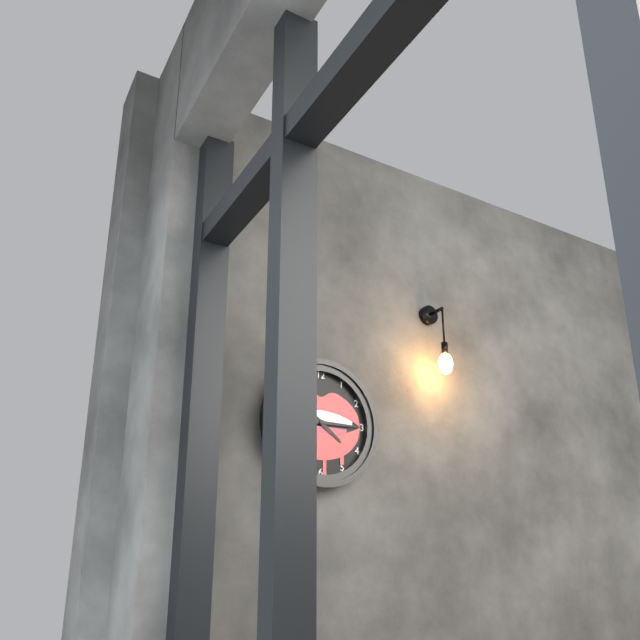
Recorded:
h=4 m=15
